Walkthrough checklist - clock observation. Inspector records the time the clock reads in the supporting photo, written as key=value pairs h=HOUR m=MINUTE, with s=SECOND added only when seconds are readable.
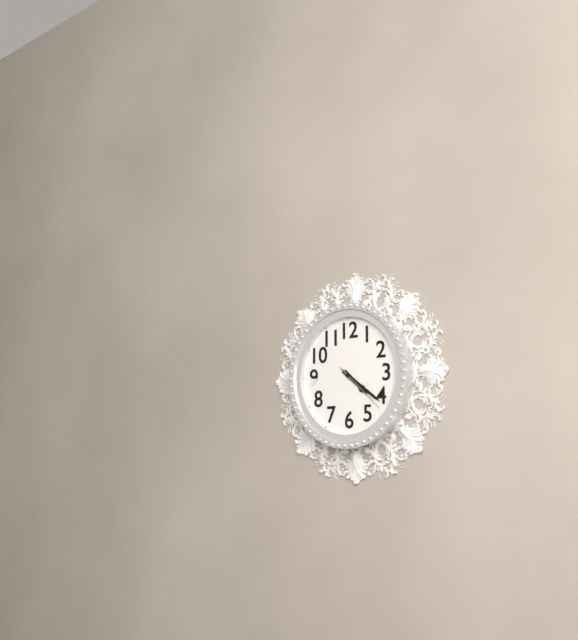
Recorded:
h=4 m=21 s=22
